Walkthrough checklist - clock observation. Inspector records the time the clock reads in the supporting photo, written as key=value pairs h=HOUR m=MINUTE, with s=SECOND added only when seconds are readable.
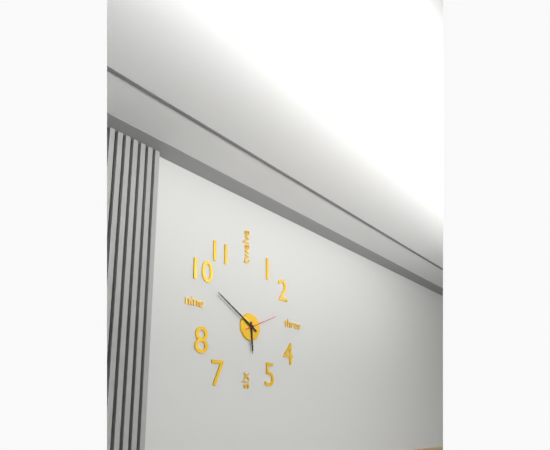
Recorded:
h=5 m=50
